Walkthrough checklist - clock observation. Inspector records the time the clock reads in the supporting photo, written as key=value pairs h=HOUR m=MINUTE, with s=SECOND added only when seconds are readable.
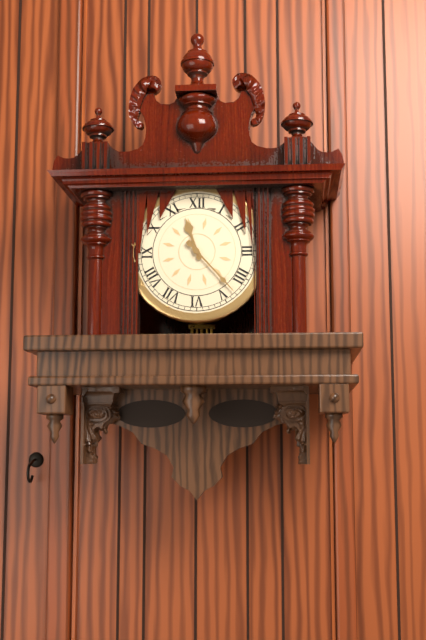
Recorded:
h=11 m=23
